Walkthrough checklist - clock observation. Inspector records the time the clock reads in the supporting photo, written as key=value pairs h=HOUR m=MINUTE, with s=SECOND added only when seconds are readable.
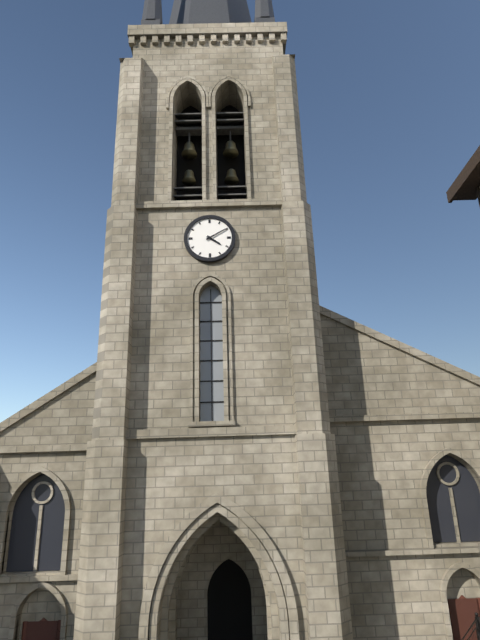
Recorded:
h=4 m=10
